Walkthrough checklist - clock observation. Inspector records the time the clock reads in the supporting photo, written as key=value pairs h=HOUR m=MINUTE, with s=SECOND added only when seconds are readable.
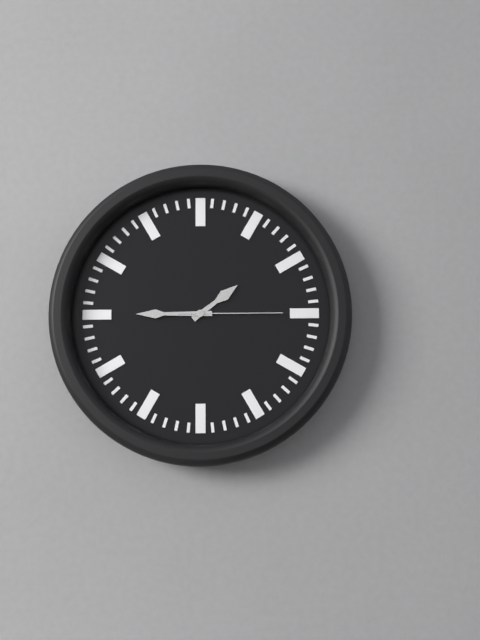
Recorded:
h=1 m=45 s=15
